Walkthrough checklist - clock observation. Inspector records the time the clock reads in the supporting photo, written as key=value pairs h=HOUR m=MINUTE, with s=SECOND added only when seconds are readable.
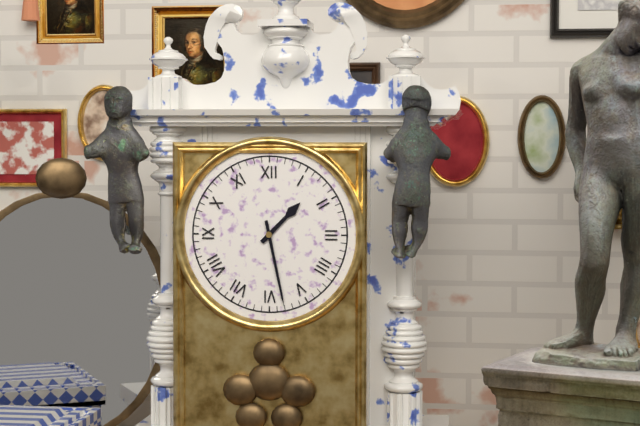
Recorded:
h=1 m=28
